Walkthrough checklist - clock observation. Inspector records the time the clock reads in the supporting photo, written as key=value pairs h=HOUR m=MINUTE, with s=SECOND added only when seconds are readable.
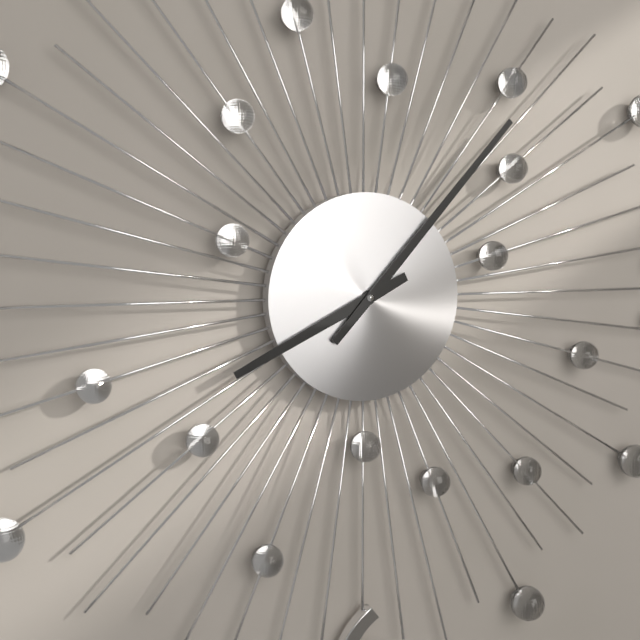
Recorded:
h=8 m=7
